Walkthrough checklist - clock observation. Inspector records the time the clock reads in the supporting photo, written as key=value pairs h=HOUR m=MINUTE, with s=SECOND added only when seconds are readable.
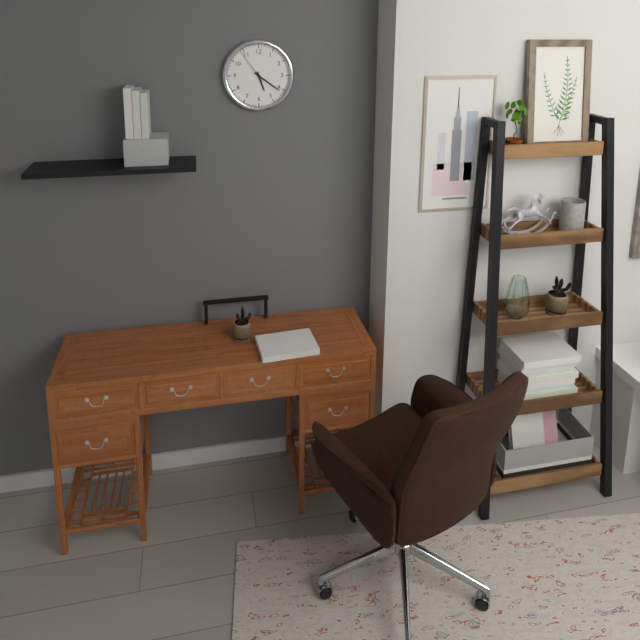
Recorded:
h=5 m=21
